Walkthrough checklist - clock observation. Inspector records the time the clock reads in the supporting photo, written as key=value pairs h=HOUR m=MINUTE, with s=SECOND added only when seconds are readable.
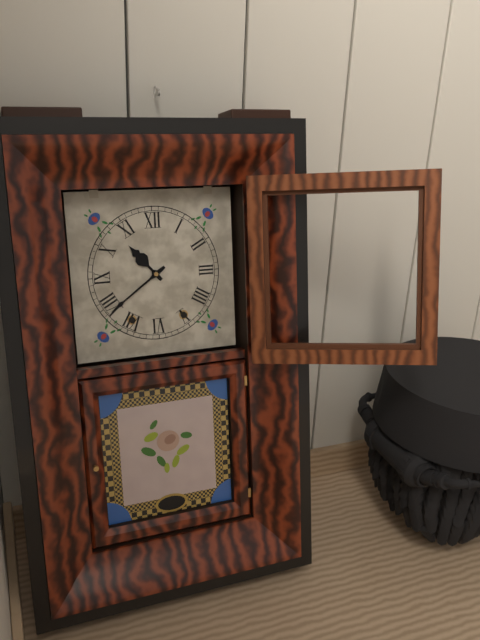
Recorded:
h=10 m=39
